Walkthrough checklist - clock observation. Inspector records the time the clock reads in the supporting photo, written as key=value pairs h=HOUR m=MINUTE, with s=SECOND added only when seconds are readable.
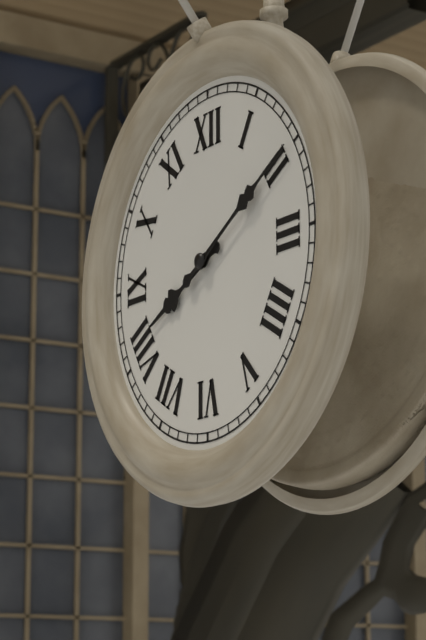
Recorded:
h=8 m=10
